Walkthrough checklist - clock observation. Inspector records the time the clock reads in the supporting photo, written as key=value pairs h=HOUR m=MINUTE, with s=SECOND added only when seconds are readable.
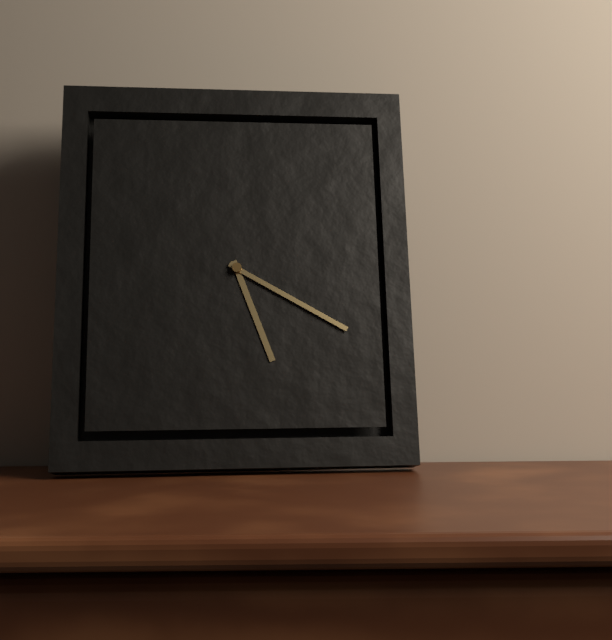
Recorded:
h=5 m=20
